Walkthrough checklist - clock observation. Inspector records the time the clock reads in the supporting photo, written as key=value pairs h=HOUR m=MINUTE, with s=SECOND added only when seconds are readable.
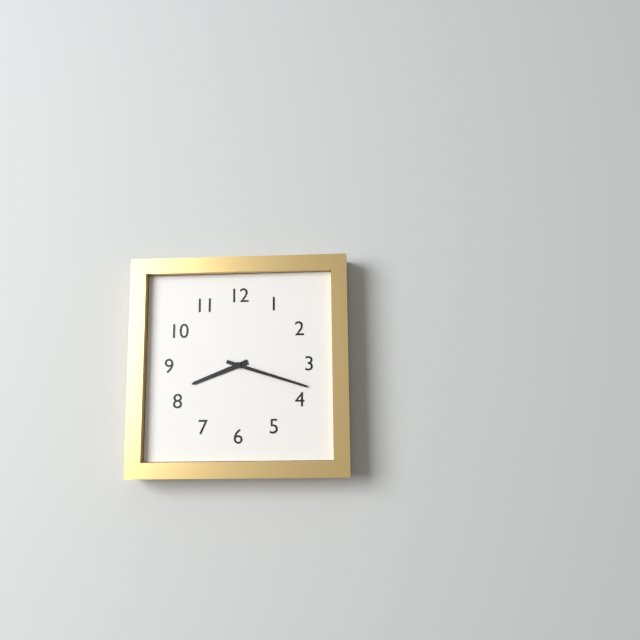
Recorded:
h=8 m=18
